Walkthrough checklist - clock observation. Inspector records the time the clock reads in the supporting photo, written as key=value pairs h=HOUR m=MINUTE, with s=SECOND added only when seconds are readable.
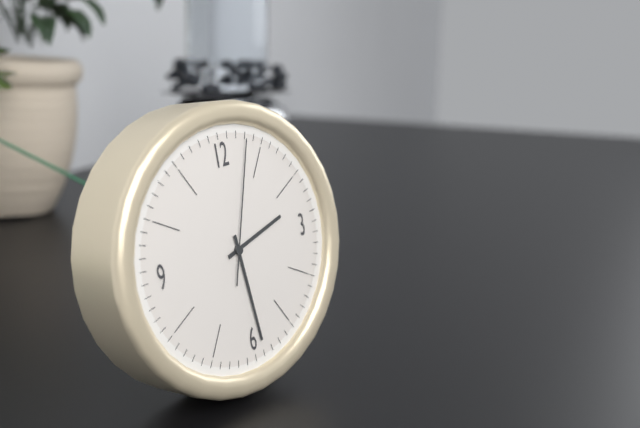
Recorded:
h=2 m=29 s=3
